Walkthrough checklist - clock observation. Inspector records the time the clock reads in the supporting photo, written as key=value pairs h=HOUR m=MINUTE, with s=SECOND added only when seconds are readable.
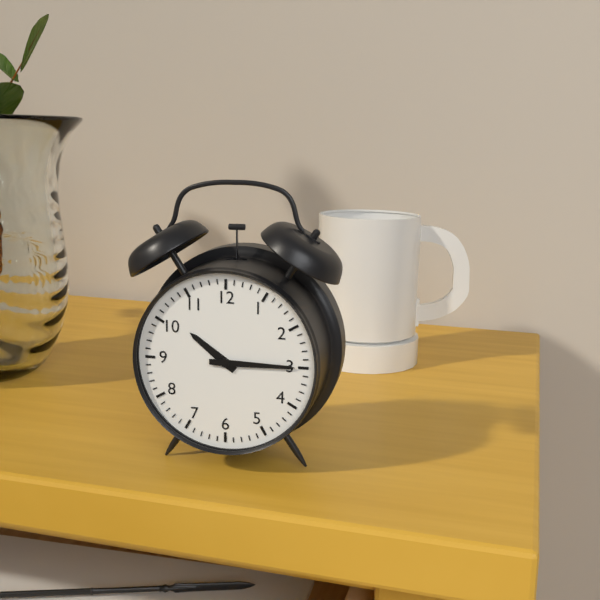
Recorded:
h=10 m=15
